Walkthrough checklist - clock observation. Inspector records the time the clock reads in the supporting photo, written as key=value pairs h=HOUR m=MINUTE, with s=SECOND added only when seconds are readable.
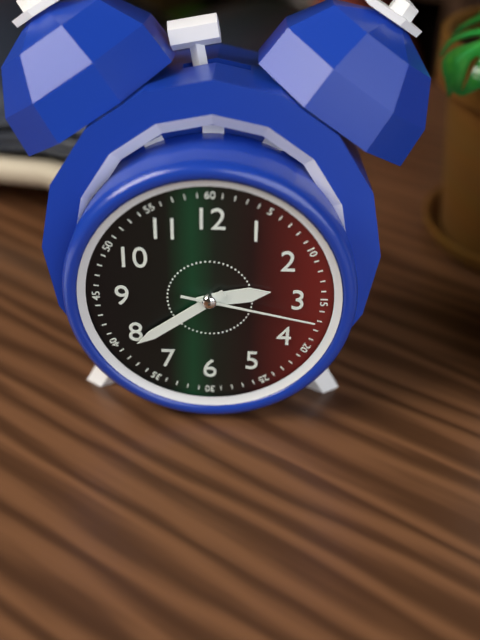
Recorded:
h=2 m=39 s=17
